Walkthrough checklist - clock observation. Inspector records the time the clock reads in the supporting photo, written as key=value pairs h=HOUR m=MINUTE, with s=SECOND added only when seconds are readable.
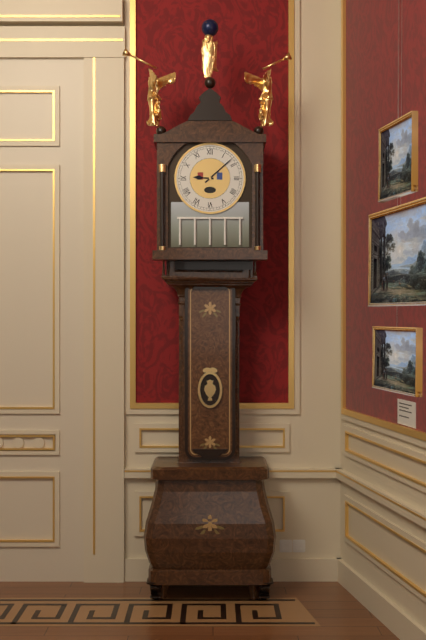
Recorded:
h=9 m=8
